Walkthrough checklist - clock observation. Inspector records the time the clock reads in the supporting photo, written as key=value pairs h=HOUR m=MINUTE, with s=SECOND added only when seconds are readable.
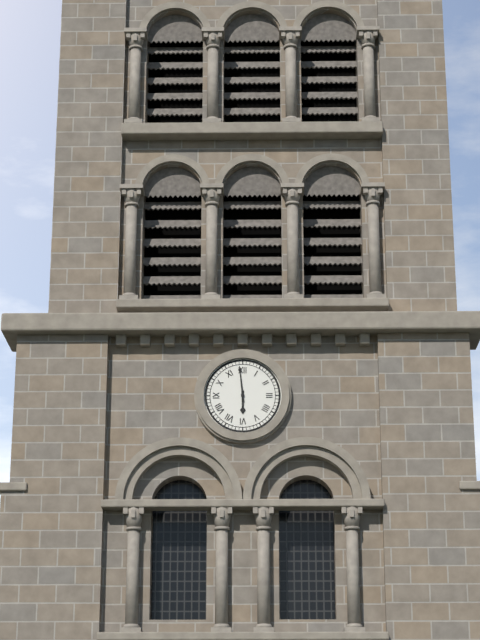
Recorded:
h=5 m=59
